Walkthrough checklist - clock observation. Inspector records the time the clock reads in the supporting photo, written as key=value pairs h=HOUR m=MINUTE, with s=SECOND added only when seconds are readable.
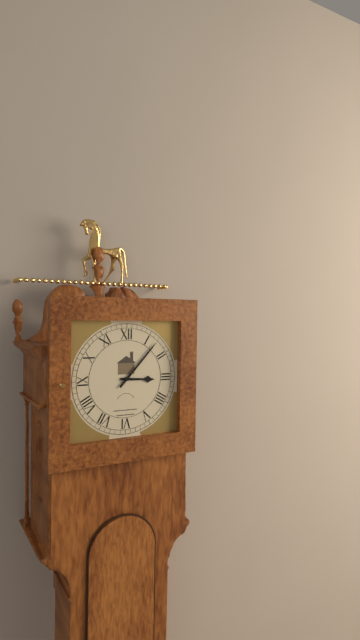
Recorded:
h=3 m=7
